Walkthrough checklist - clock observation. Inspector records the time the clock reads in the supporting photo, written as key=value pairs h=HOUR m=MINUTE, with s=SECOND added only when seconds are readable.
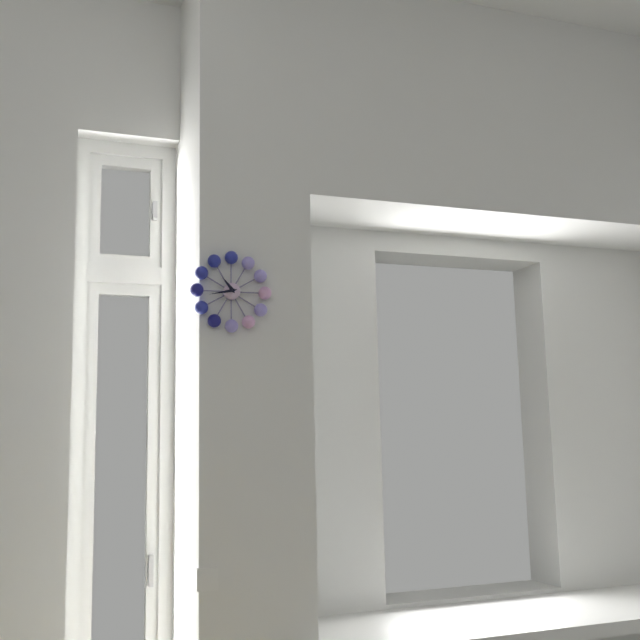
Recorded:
h=10 m=43
